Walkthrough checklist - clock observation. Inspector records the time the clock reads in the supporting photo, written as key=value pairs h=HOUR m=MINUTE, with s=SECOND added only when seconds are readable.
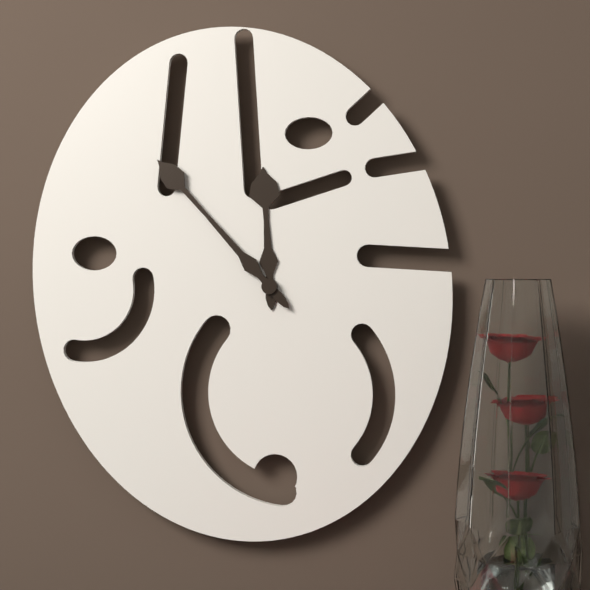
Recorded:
h=11 m=53
